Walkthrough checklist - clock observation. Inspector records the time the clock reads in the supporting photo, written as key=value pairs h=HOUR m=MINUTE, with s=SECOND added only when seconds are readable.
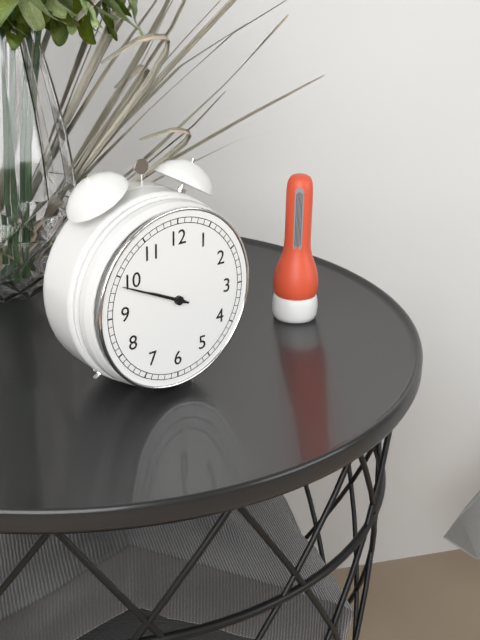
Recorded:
h=9 m=49
